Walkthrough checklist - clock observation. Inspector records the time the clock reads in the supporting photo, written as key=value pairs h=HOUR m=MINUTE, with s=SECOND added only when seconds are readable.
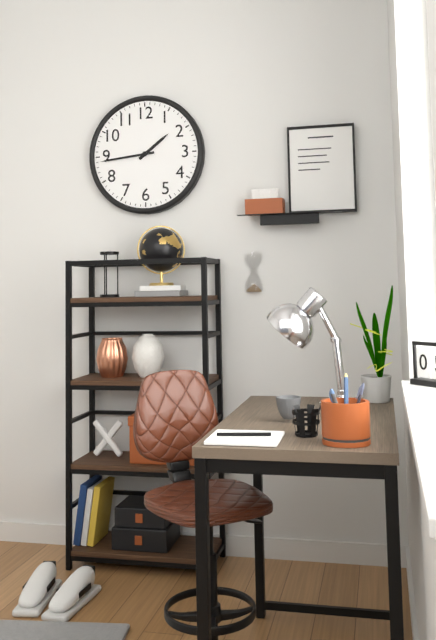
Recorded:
h=1 m=44
